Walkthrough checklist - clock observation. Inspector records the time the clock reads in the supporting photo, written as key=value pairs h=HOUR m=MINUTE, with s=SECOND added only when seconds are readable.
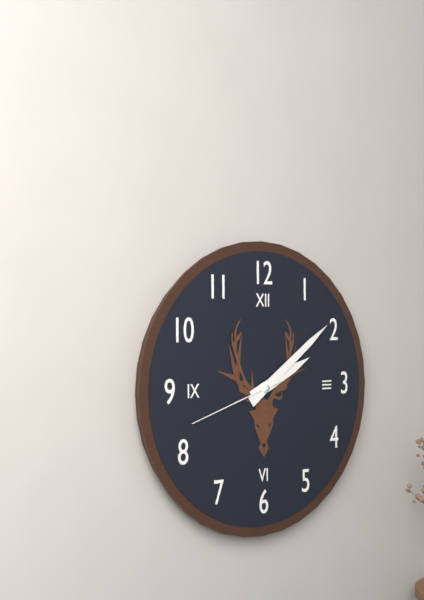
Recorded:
h=2 m=9 s=42
